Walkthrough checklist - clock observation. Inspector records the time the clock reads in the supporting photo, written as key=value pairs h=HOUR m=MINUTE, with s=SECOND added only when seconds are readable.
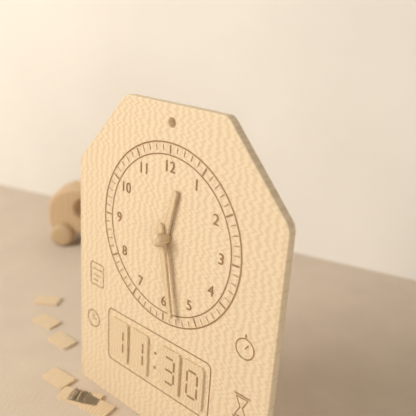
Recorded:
h=12 m=28
